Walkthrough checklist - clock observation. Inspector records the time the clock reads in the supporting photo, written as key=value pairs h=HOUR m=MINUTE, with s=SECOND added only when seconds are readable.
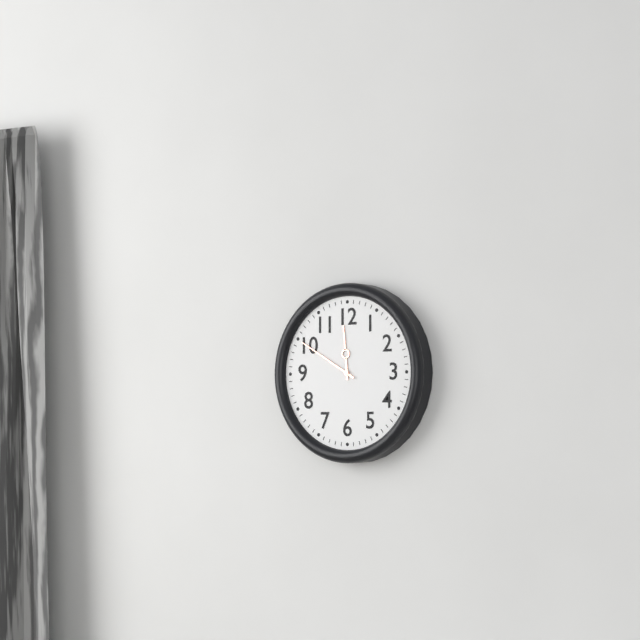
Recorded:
h=11 m=50
